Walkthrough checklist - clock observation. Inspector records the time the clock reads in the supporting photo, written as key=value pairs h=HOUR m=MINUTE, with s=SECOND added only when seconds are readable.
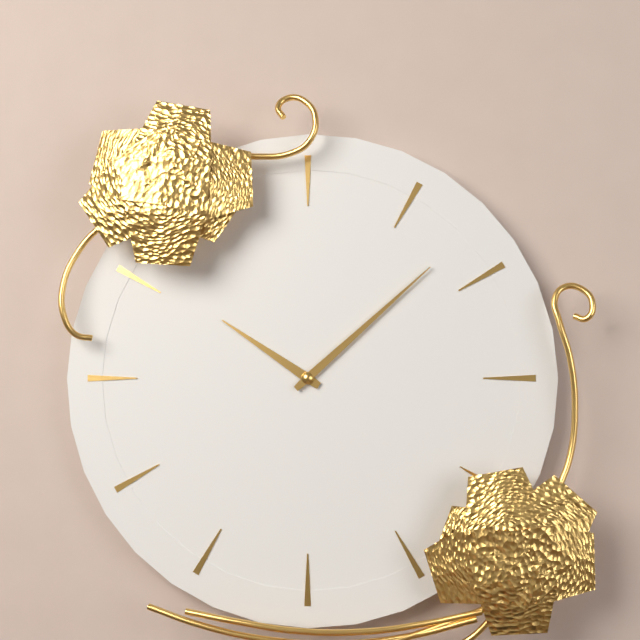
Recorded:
h=10 m=8
